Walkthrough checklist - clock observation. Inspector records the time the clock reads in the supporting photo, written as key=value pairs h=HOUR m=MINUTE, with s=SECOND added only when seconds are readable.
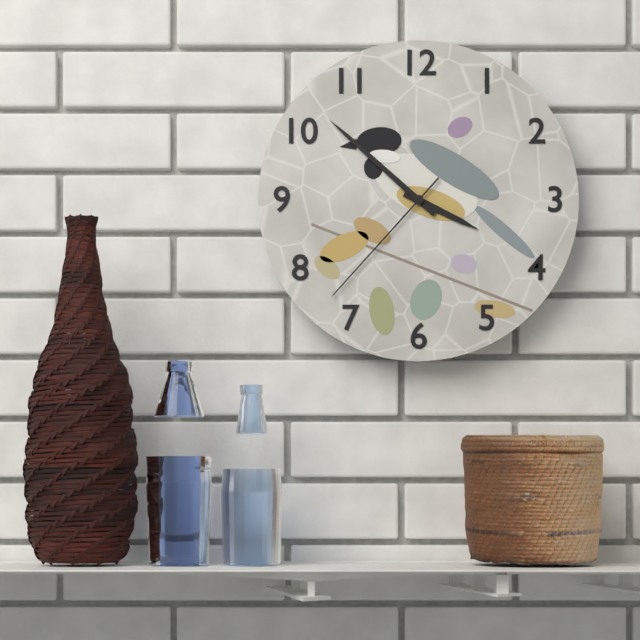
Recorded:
h=3 m=52 s=37
